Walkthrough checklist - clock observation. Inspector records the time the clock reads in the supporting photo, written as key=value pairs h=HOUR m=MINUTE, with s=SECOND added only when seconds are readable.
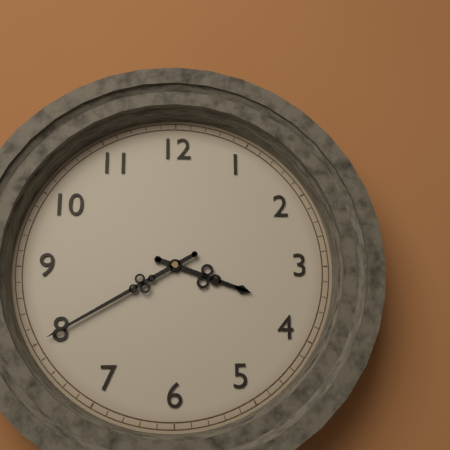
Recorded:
h=3 m=40
